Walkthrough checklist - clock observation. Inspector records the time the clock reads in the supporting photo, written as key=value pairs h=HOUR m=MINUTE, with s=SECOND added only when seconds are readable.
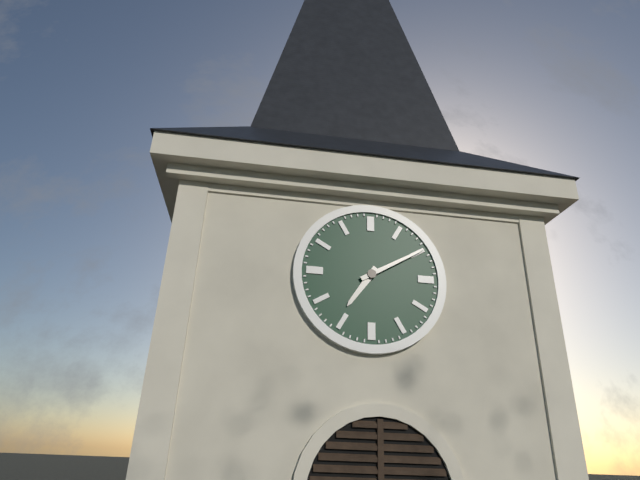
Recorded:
h=7 m=10
